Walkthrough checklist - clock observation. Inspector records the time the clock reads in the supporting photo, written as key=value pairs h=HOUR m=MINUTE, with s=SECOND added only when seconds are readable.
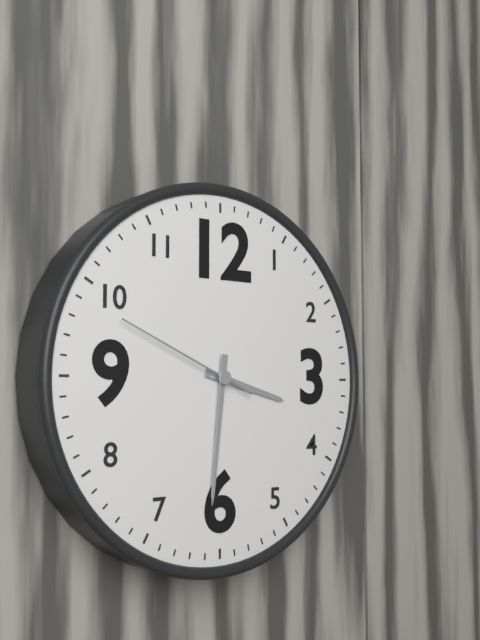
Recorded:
h=3 m=31 s=49
